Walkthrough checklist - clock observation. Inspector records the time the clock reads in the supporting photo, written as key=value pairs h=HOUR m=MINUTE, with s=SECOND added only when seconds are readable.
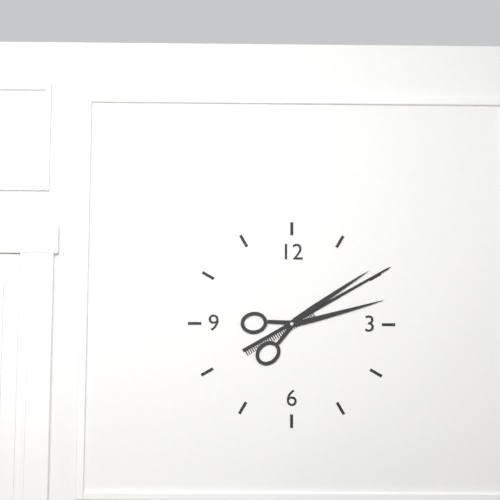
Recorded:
h=2 m=10
